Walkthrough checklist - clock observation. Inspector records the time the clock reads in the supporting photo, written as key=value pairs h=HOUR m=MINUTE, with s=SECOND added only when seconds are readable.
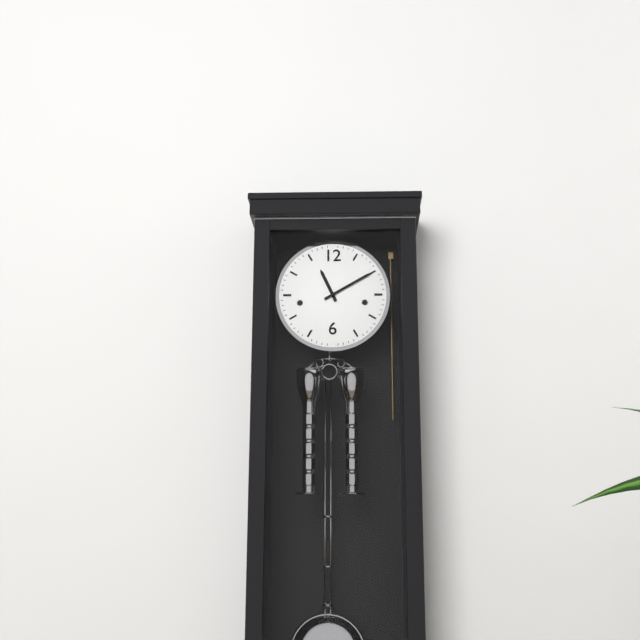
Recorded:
h=11 m=10
